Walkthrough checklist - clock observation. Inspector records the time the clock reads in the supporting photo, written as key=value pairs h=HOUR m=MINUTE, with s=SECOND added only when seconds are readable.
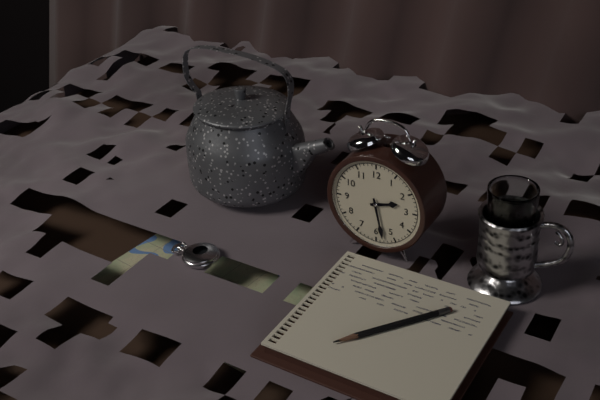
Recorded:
h=2 m=28
